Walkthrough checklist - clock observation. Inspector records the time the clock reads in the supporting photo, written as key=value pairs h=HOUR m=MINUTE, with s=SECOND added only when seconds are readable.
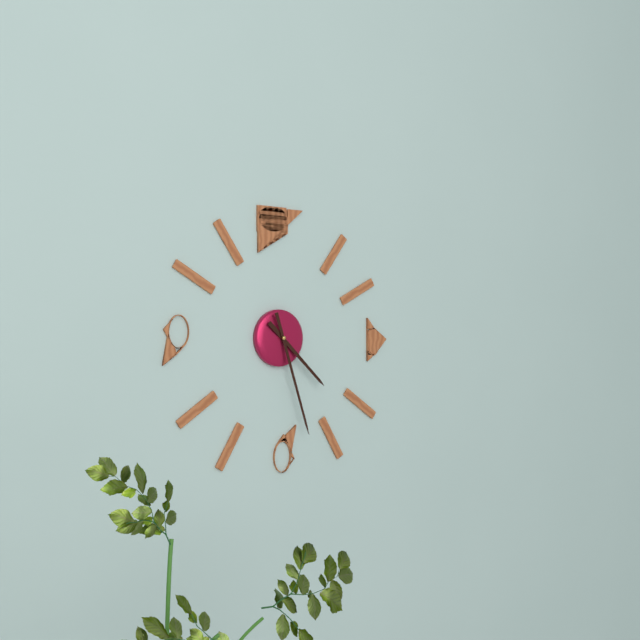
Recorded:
h=4 m=27
